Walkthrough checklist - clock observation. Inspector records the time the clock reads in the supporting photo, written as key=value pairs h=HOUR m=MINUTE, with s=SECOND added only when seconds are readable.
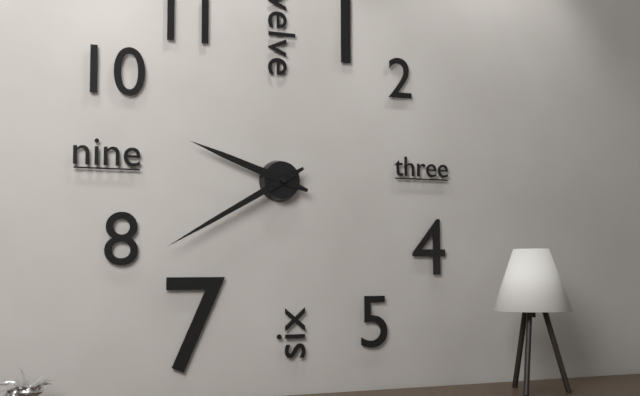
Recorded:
h=9 m=40
